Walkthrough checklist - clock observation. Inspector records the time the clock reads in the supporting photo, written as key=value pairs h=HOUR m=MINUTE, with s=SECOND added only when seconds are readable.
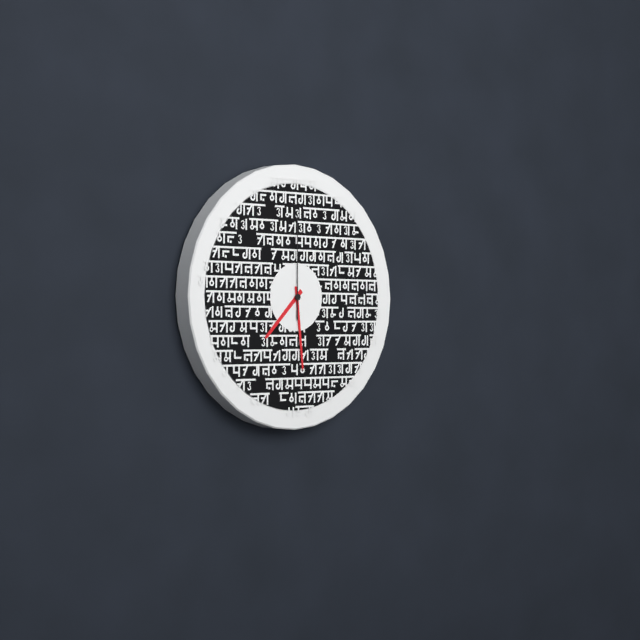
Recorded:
h=7 m=29 s=0
